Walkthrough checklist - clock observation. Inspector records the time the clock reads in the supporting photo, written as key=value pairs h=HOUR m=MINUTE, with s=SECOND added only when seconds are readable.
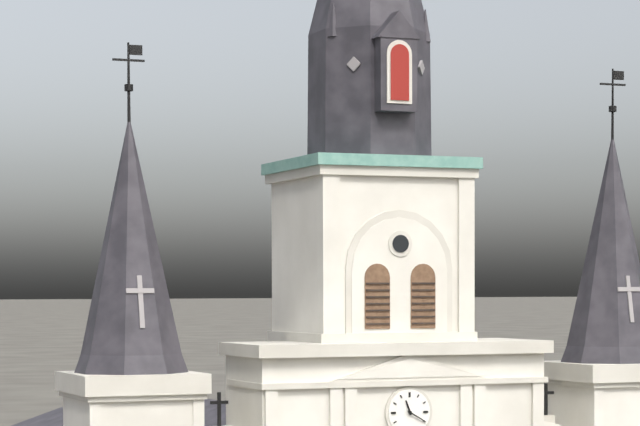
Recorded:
h=11 m=20
